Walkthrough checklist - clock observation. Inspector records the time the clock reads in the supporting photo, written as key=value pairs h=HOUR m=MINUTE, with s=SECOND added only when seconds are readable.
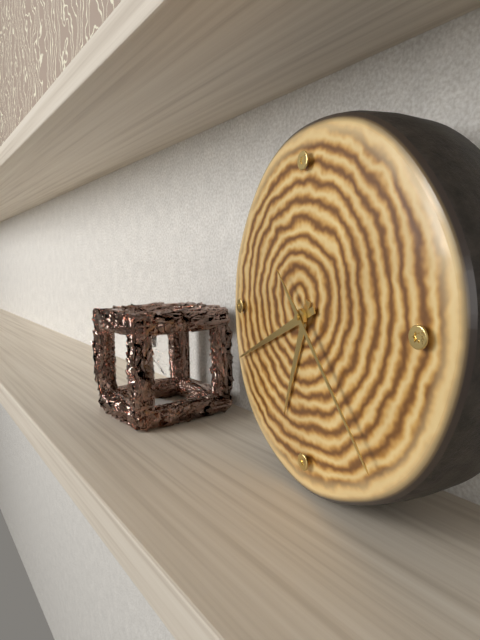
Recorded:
h=6 m=41 s=23
